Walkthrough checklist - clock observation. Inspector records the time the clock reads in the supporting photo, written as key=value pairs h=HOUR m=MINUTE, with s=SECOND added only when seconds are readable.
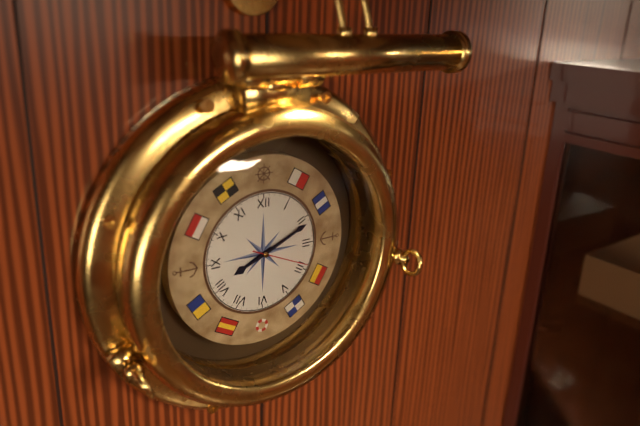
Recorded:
h=8 m=11 s=19
